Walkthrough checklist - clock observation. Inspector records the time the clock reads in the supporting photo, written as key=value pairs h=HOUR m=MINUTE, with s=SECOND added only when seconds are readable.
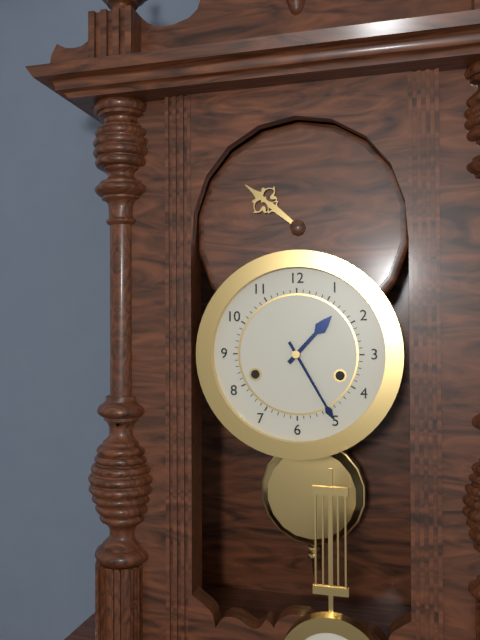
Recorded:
h=1 m=25
